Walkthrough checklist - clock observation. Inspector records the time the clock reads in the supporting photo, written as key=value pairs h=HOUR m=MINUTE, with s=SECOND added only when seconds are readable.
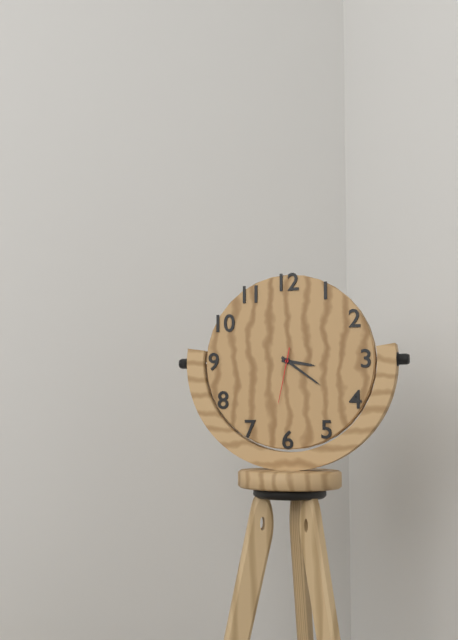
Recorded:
h=3 m=21 s=32
